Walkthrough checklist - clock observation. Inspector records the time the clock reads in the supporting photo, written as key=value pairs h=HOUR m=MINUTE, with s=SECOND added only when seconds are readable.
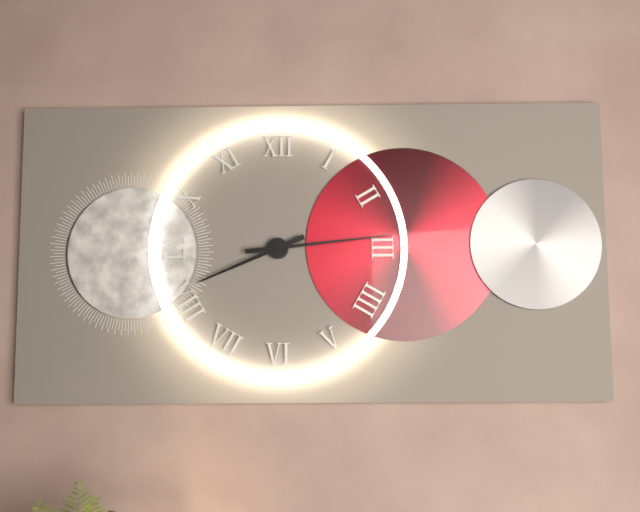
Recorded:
h=8 m=14
